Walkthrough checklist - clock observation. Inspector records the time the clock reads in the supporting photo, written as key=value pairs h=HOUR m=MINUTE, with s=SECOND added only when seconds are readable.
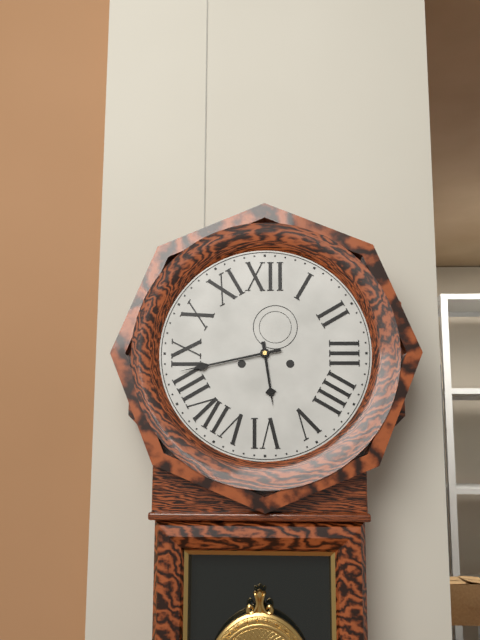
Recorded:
h=5 m=43
